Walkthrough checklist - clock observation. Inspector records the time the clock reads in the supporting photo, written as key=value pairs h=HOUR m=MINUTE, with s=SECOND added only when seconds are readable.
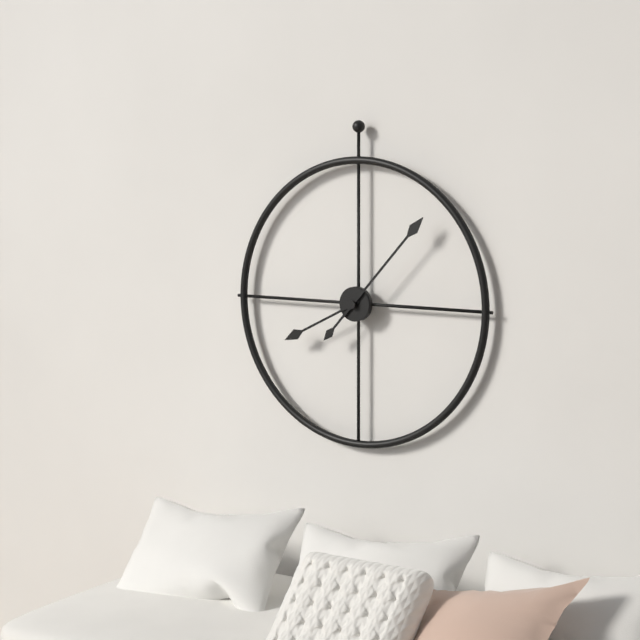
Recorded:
h=8 m=7
